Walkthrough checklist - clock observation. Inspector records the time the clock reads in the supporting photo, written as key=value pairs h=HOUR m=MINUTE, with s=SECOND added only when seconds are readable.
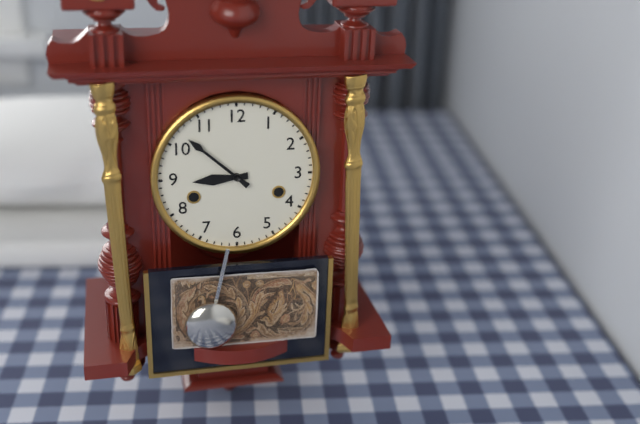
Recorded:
h=8 m=52
